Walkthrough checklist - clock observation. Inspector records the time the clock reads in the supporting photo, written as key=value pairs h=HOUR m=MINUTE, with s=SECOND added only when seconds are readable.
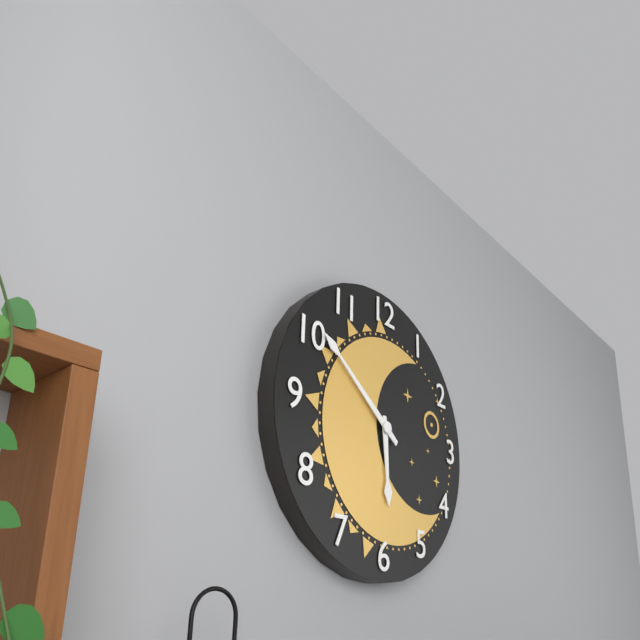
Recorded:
h=5 m=51
